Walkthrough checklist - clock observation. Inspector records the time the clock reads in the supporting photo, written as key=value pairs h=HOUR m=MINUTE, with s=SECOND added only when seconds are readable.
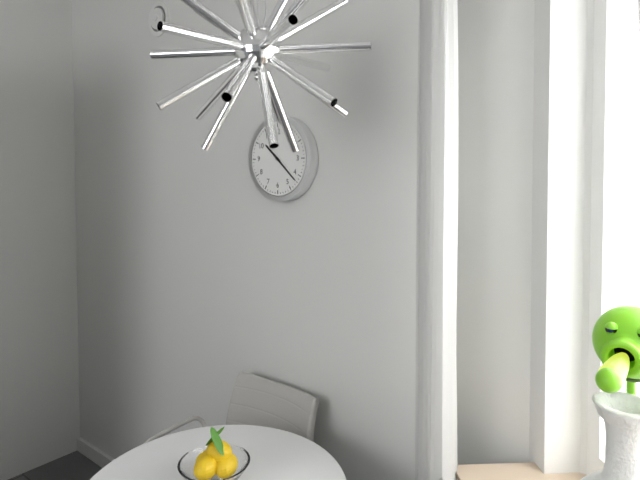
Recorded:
h=10 m=22
